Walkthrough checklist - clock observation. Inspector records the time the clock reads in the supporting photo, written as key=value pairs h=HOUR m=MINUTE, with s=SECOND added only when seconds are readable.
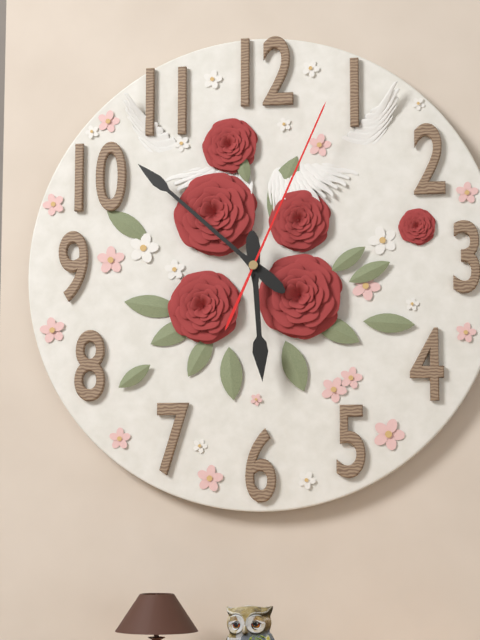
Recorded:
h=5 m=52 s=4
